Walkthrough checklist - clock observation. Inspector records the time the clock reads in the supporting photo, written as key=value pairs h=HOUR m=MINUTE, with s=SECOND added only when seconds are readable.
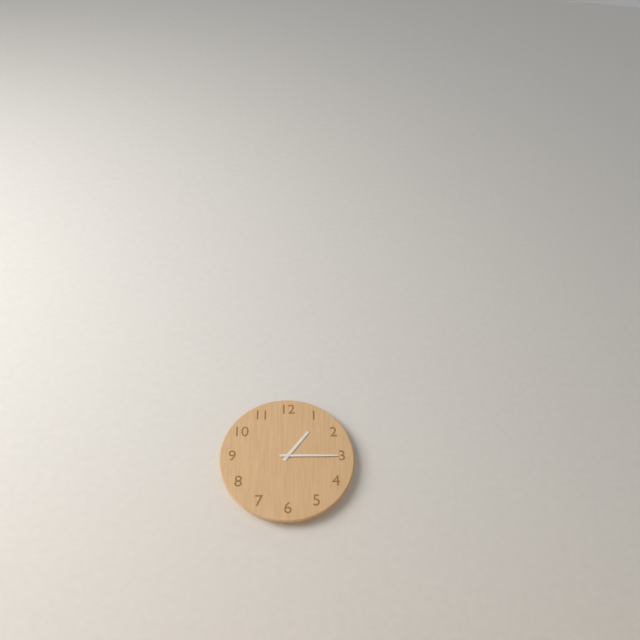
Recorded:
h=1 m=15
